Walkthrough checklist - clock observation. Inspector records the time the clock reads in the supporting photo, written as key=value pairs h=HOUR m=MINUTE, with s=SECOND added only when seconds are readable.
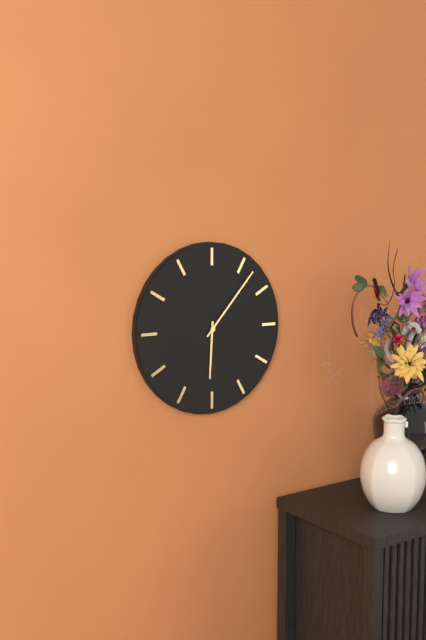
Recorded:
h=6 m=7
